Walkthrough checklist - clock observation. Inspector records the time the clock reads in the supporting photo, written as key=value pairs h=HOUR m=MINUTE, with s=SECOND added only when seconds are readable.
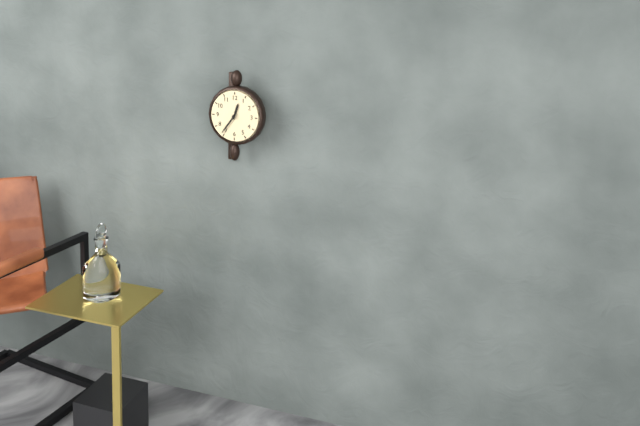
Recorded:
h=12 m=36
